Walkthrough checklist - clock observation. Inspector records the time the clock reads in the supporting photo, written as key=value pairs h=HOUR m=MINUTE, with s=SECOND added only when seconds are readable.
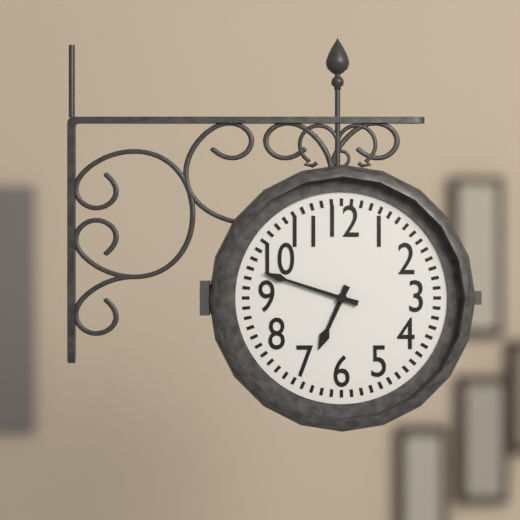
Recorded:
h=6 m=48
